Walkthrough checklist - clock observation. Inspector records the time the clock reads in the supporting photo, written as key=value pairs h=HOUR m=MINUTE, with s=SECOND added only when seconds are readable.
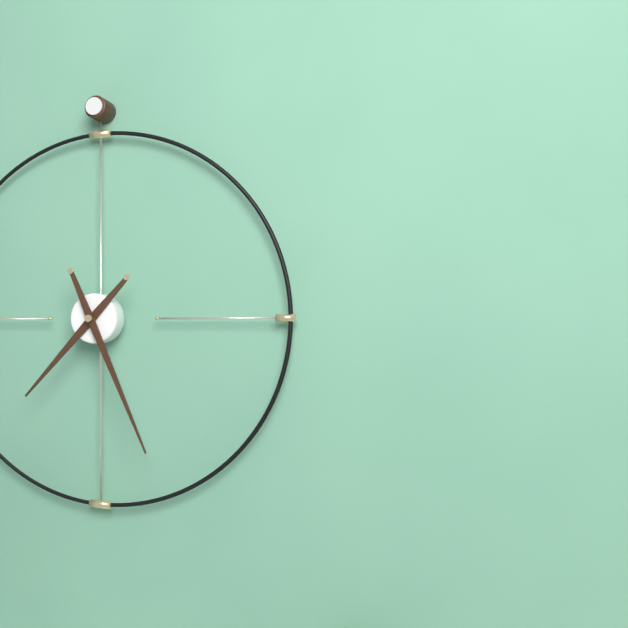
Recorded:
h=7 m=26
